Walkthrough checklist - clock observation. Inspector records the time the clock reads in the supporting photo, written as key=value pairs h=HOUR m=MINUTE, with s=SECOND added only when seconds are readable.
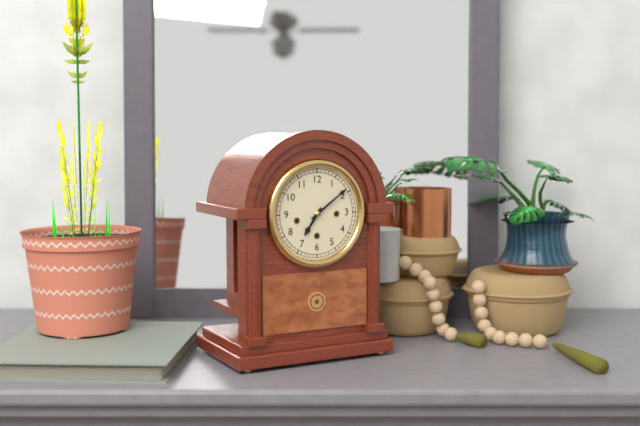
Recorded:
h=7 m=9
